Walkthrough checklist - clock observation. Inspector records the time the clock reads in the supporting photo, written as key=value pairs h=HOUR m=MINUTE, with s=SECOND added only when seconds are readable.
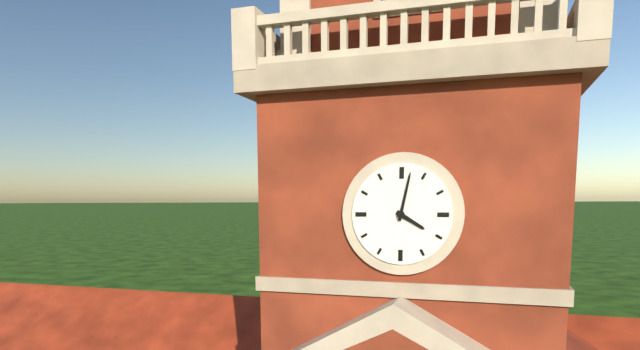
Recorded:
h=4 m=2
